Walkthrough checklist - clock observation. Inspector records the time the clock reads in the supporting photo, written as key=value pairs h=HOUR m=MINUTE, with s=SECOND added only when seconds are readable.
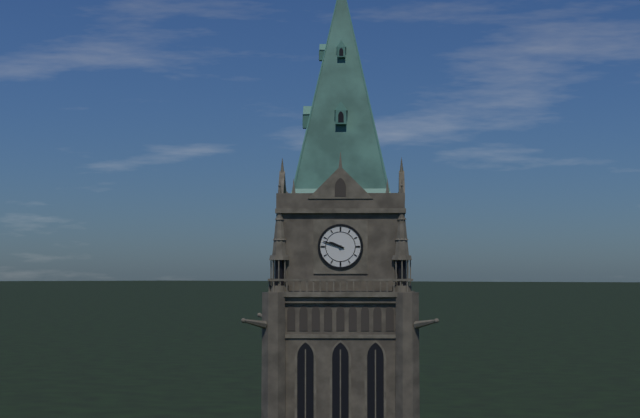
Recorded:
h=9 m=48
